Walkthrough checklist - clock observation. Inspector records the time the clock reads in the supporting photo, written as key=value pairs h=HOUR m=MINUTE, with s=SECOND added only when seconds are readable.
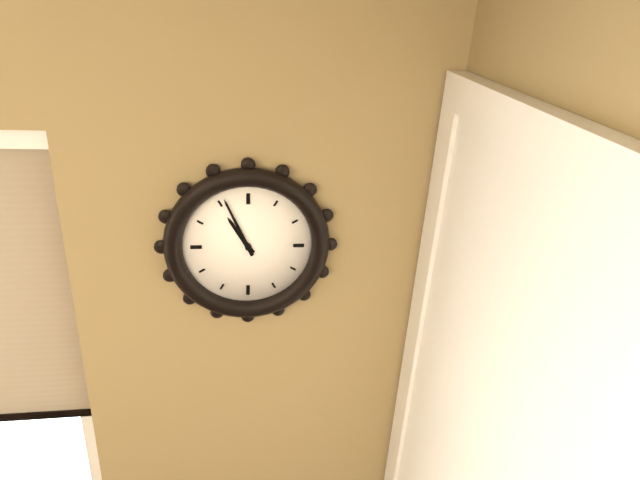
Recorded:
h=10 m=56
